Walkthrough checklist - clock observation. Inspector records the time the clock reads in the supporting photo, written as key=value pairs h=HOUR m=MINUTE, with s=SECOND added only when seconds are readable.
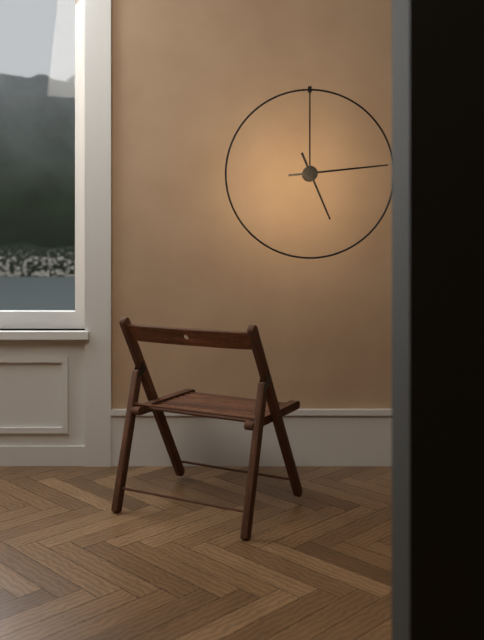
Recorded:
h=5 m=14
